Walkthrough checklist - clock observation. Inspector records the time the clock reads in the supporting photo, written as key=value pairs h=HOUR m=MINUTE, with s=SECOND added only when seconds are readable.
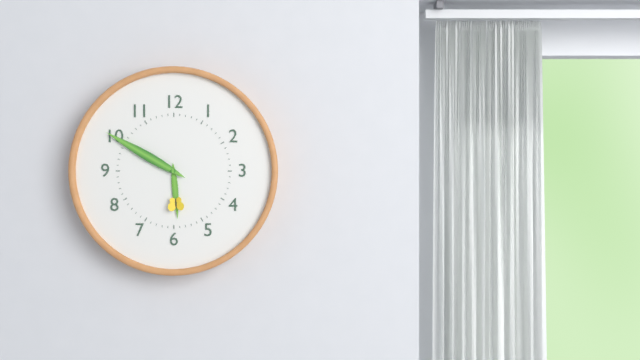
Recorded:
h=5 m=50
